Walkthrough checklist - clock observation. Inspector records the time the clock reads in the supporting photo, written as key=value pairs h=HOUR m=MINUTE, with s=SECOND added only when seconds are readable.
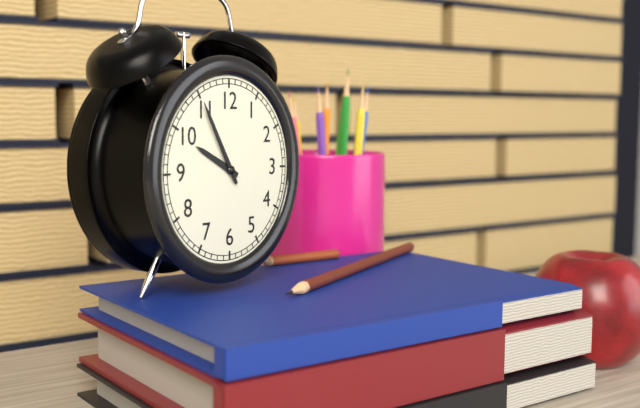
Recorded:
h=9 m=55
